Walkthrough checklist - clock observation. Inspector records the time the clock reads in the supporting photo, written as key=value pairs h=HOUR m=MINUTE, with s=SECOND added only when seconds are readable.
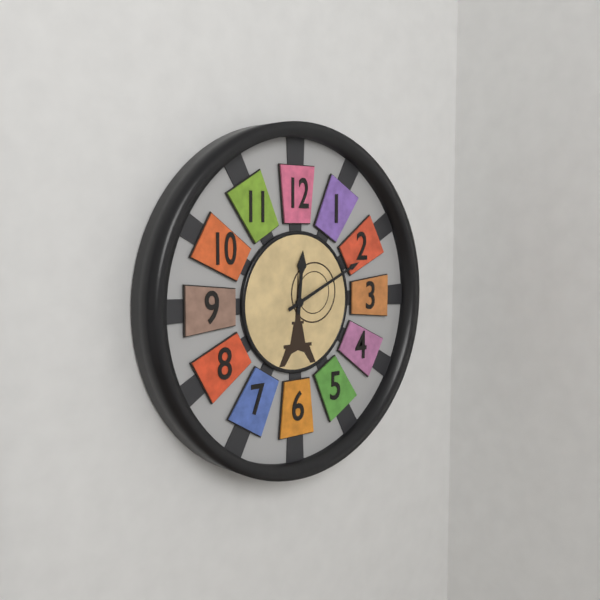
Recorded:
h=12 m=11
